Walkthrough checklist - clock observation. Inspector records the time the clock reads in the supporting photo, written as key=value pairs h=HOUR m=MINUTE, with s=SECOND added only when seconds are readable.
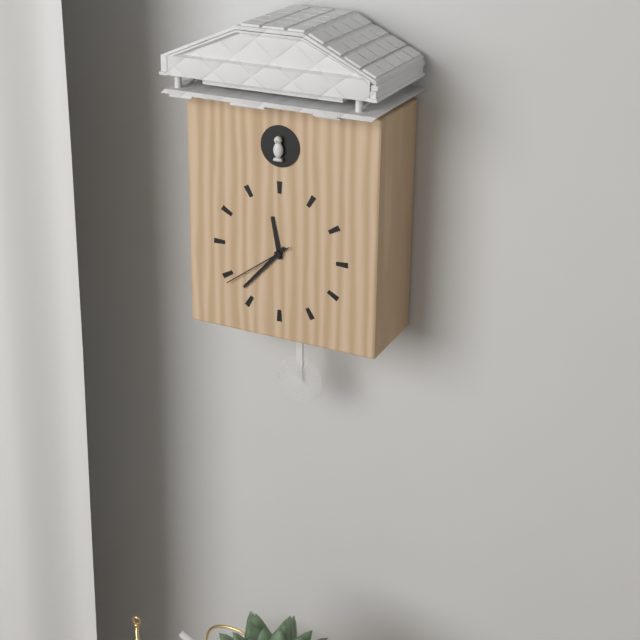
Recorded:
h=11 m=37 s=39
